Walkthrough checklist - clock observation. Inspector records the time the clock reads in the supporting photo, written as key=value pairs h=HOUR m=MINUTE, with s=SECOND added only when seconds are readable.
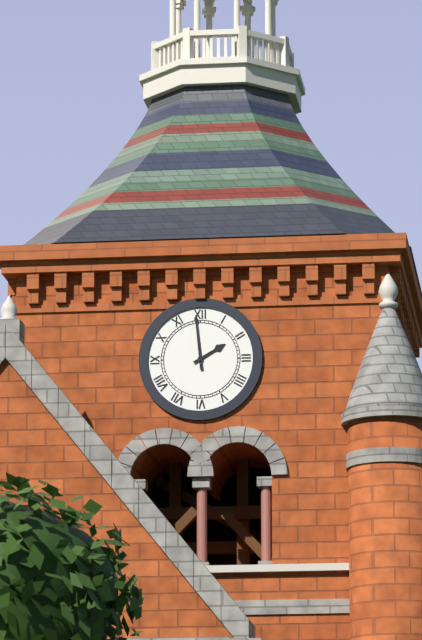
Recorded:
h=1 m=59
